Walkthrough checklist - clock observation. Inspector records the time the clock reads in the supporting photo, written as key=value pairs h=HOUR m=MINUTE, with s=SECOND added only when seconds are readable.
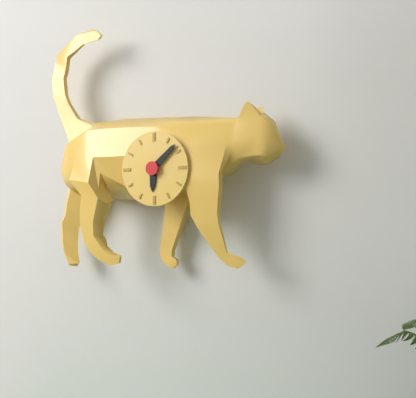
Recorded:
h=6 m=8
